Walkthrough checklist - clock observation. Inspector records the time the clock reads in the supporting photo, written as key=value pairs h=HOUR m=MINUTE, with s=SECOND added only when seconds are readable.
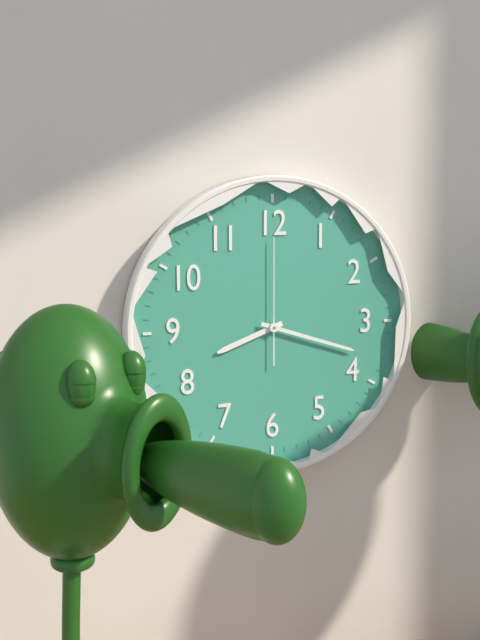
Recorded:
h=8 m=18 s=0
